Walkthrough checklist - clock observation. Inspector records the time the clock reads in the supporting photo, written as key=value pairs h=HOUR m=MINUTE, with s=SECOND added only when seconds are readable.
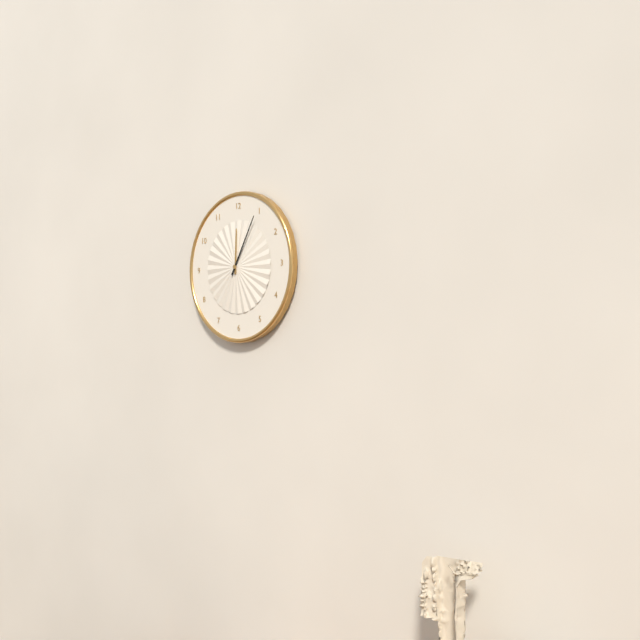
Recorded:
h=12 m=5
